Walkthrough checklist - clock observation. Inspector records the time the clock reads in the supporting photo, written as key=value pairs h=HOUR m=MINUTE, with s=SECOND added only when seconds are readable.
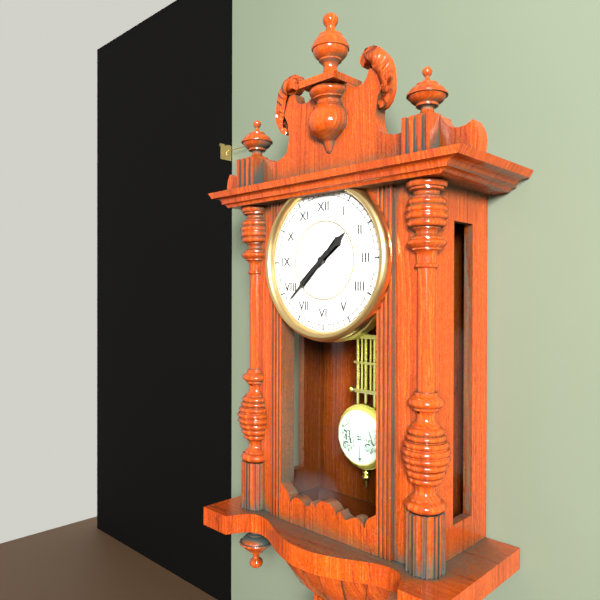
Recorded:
h=1 m=38
